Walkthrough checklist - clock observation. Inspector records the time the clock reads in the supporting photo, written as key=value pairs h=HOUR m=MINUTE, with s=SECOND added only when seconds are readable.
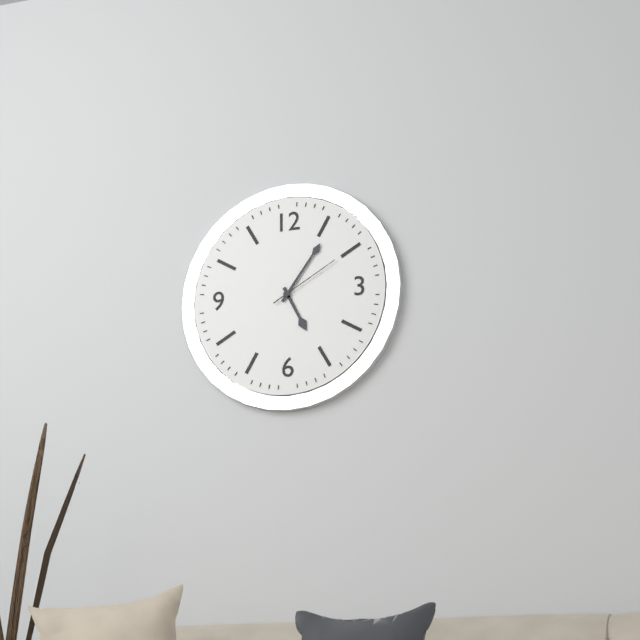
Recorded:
h=5 m=6 s=10
